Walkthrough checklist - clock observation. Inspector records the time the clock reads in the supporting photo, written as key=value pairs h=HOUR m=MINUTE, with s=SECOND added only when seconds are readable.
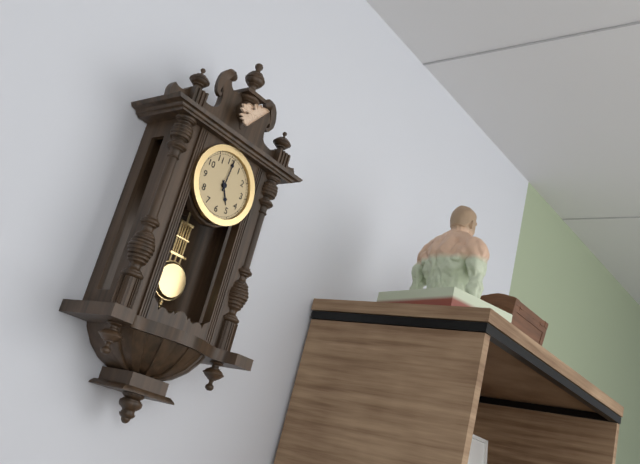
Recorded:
h=5 m=1
